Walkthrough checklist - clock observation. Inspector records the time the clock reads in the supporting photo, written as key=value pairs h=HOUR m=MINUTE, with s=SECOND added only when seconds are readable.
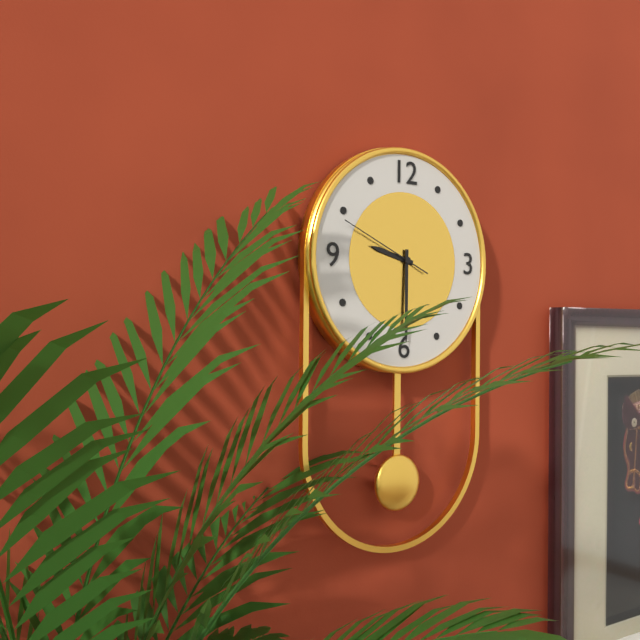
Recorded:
h=9 m=30 s=49
